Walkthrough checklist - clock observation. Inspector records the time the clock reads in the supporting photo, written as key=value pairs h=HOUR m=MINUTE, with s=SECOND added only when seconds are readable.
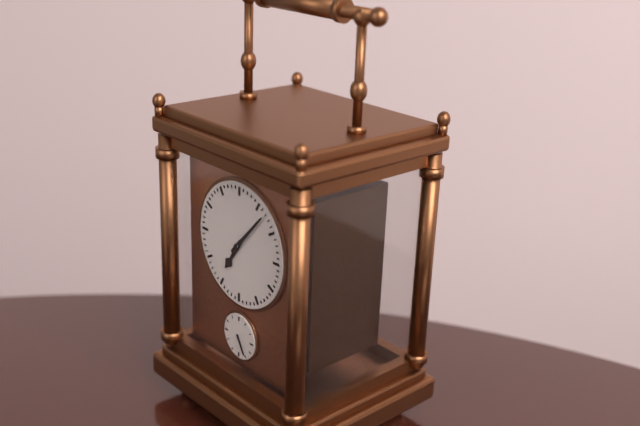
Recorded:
h=7 m=7
